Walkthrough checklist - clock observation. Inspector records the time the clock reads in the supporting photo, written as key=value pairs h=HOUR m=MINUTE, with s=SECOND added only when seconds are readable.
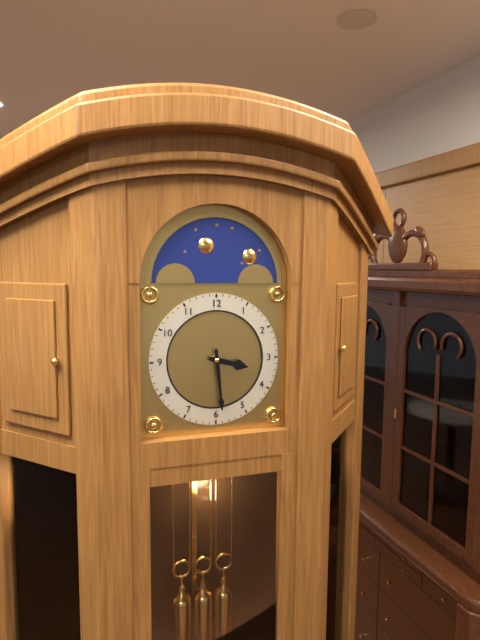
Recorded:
h=3 m=29
